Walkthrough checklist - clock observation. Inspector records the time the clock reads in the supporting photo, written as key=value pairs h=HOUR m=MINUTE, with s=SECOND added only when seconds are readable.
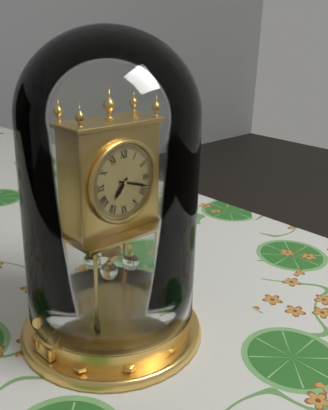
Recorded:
h=7 m=18
